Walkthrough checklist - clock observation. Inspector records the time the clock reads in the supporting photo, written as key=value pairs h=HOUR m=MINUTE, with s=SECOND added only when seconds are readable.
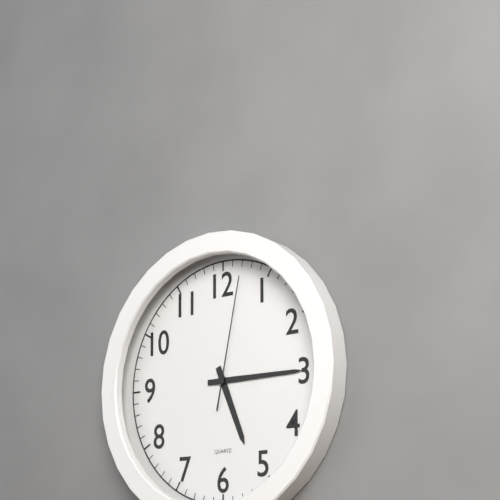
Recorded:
h=5 m=15 s=2
